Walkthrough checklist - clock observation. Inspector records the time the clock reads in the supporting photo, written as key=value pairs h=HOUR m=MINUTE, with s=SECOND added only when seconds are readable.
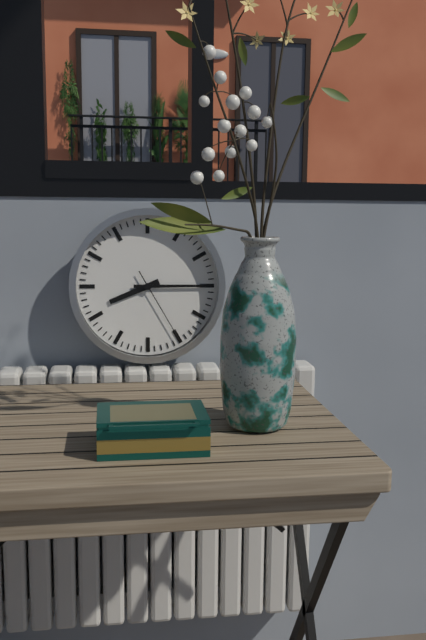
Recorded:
h=8 m=15 s=25
